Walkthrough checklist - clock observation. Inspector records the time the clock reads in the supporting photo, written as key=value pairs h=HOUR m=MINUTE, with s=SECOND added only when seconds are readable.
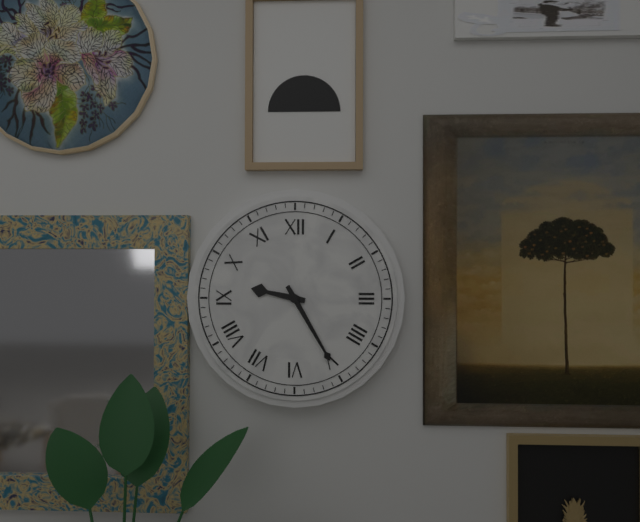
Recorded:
h=9 m=25
